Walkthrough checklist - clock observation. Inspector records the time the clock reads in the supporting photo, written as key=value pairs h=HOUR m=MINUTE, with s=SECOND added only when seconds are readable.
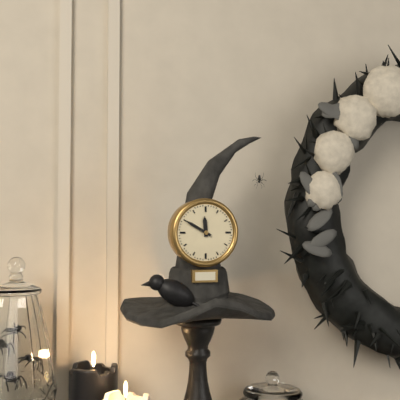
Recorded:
h=11 m=50
